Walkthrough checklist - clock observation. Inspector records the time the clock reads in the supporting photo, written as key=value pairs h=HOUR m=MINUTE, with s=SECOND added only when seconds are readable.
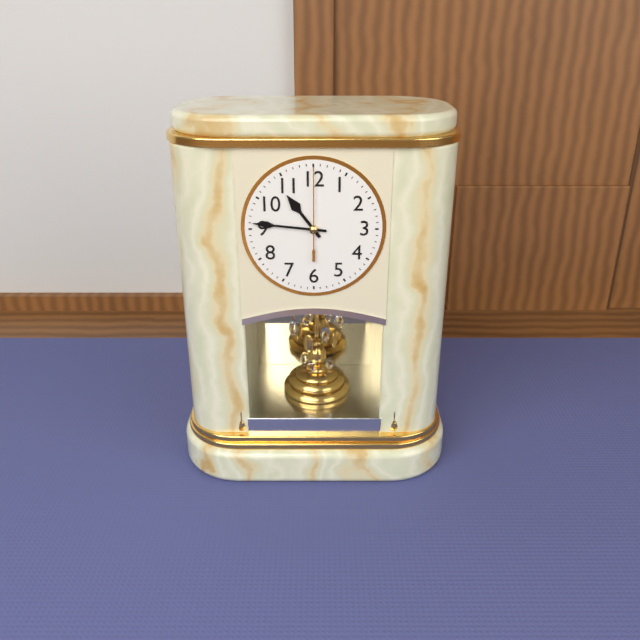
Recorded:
h=10 m=46 s=0
